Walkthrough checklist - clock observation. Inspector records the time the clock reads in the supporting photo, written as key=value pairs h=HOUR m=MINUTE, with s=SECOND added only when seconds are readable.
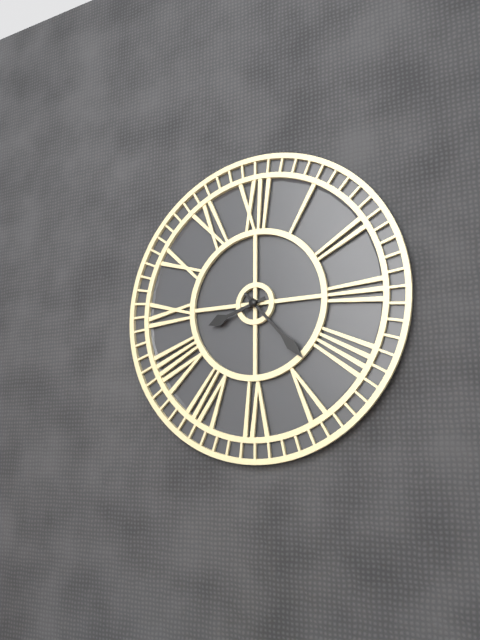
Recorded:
h=8 m=23
